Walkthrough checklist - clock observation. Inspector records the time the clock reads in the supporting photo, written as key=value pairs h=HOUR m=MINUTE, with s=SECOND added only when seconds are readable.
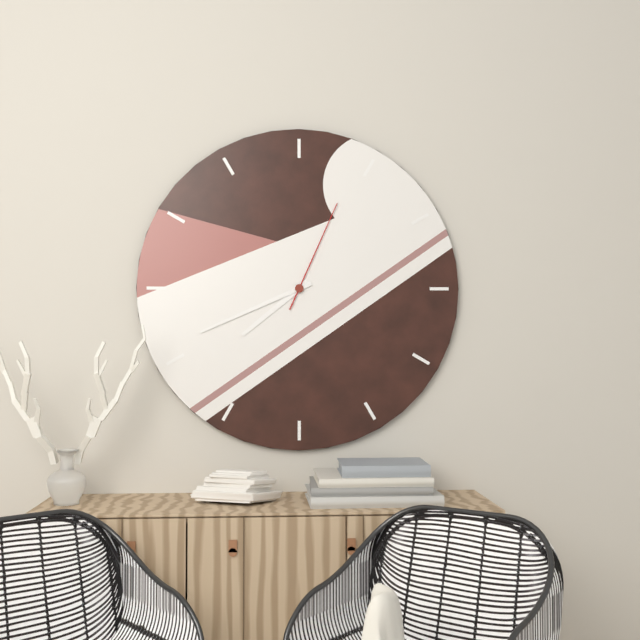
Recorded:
h=7 m=41 s=4
